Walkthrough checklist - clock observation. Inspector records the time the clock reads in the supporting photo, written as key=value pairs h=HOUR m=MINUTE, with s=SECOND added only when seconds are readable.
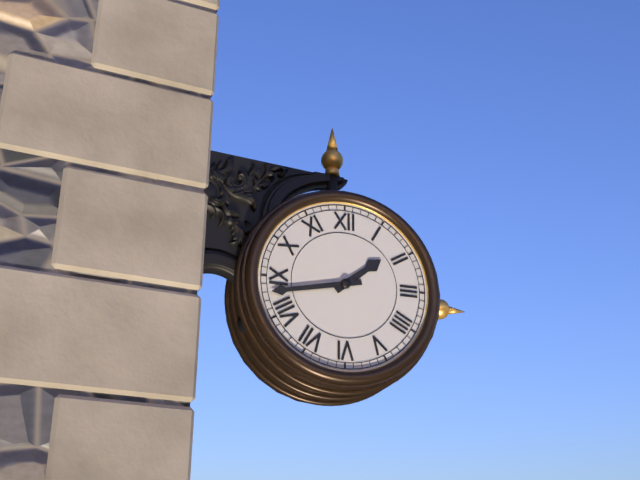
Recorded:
h=1 m=43
